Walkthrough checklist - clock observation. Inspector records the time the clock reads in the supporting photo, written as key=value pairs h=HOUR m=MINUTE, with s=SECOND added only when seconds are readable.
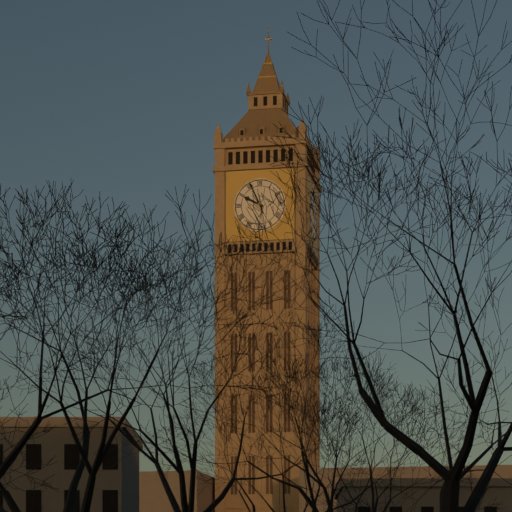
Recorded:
h=9 m=56
